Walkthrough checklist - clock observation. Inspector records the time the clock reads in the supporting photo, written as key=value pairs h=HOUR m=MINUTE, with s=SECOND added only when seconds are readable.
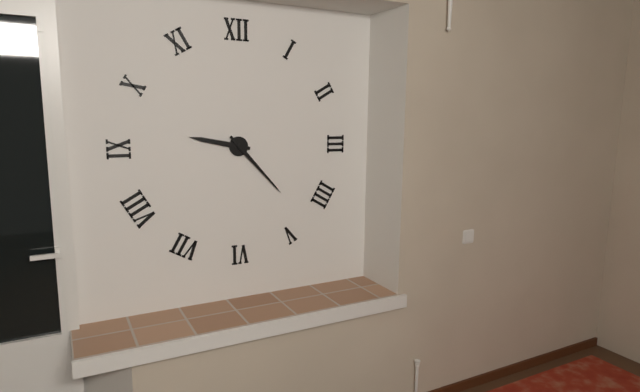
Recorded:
h=9 m=23
